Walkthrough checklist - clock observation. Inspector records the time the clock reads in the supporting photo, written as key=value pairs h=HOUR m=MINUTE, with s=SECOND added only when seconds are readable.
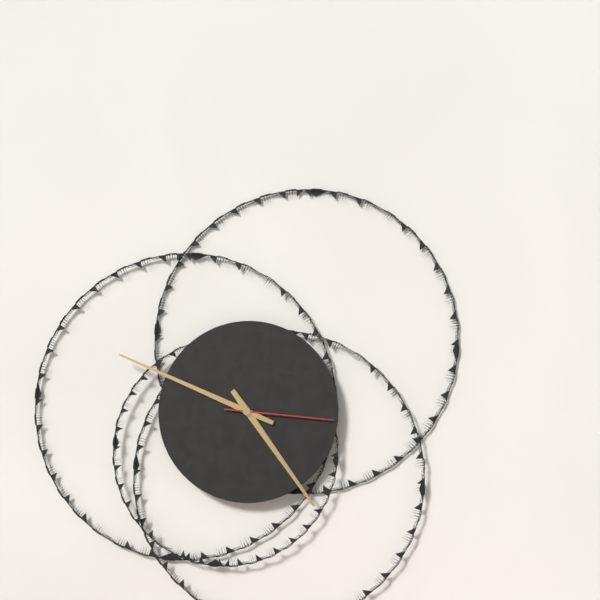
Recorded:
h=4 m=49 s=16
